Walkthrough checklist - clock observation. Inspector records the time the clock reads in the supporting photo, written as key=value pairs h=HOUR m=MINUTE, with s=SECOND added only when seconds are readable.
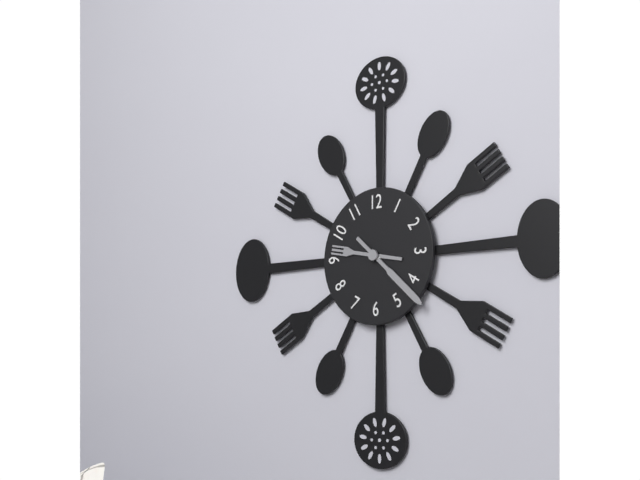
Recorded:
h=9 m=22
